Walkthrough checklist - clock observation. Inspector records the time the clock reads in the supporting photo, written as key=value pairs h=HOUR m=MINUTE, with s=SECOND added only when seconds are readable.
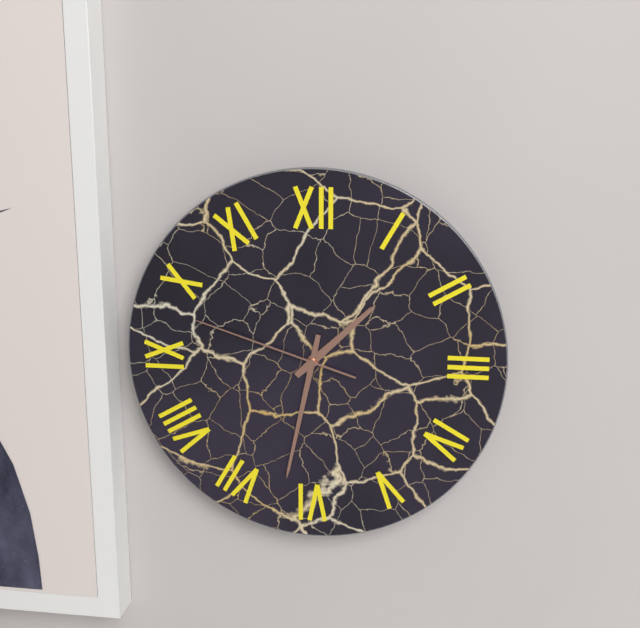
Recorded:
h=1 m=32 s=48
